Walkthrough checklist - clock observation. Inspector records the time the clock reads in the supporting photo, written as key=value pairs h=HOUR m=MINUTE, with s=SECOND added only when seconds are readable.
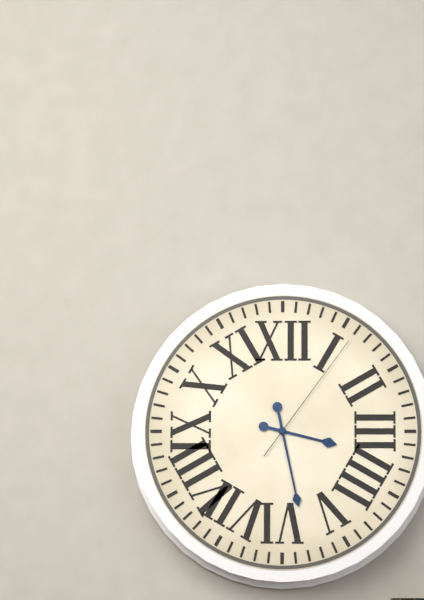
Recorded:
h=3 m=28 s=6
